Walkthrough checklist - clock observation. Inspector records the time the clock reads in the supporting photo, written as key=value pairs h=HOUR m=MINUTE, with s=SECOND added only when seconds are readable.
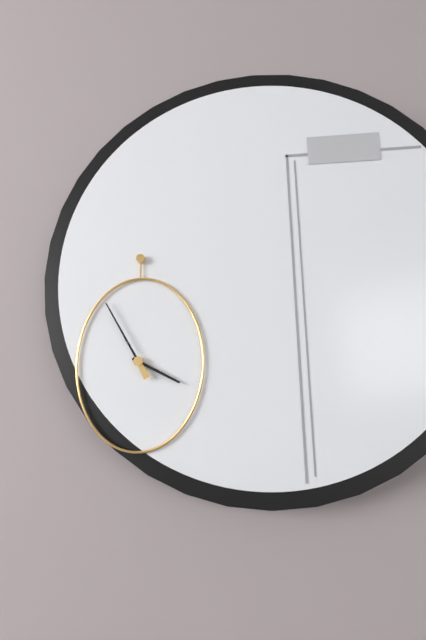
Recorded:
h=3 m=55
